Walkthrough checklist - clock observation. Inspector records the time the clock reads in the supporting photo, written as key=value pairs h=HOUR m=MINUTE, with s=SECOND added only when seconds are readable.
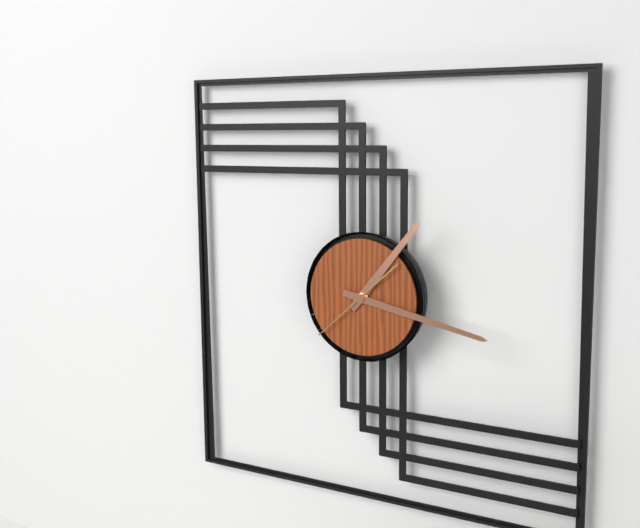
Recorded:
h=1 m=17 s=38
